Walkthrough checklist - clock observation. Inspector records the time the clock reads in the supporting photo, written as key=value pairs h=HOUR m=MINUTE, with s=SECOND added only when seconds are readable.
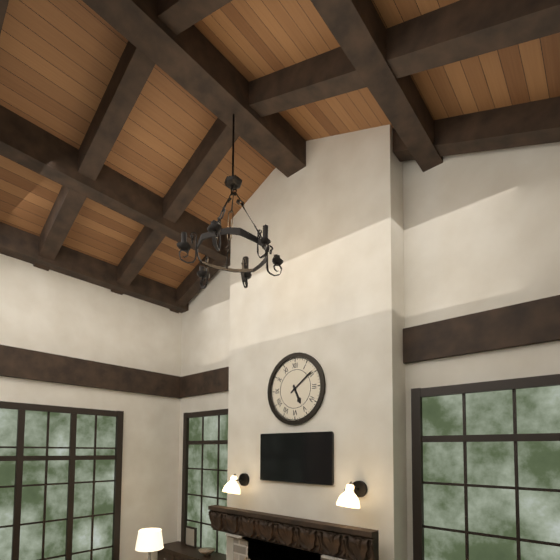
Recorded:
h=5 m=9
